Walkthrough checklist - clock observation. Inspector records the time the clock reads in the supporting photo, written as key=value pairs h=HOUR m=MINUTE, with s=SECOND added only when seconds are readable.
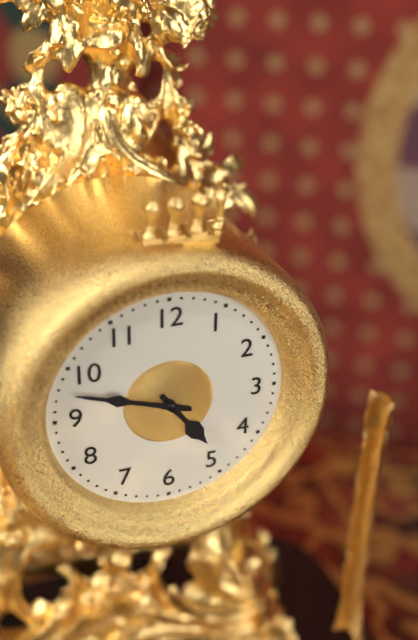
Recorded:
h=4 m=48
